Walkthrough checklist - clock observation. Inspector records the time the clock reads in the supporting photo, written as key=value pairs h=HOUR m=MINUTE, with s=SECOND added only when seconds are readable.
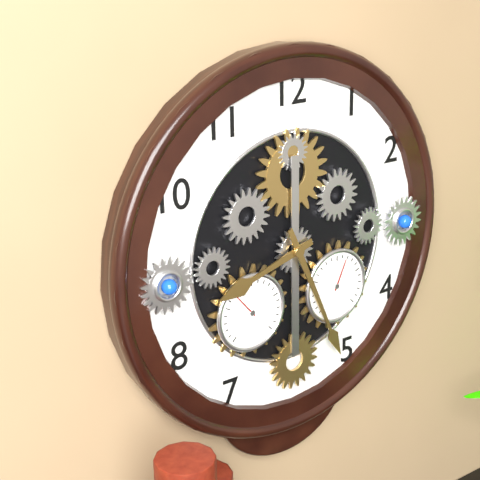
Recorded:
h=8 m=26
